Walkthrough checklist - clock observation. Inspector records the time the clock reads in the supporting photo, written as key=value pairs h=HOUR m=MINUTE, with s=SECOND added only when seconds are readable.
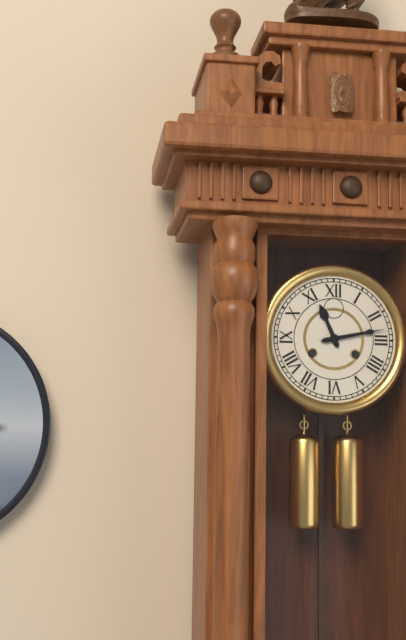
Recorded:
h=11 m=13
